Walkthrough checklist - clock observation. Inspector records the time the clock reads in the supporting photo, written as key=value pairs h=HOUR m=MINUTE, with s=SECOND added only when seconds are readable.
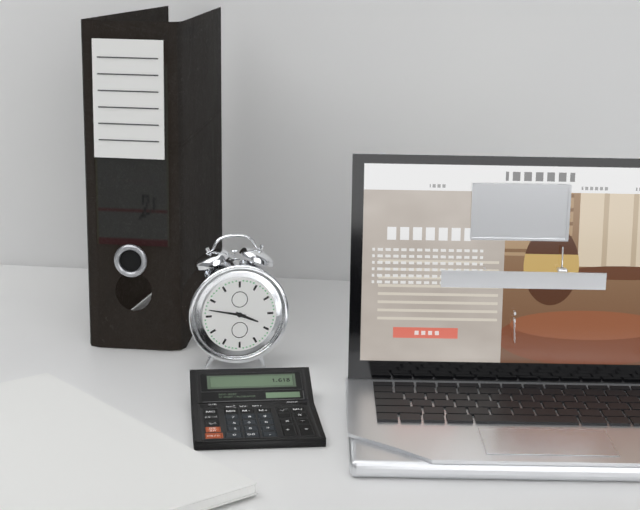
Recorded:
h=3 m=47
